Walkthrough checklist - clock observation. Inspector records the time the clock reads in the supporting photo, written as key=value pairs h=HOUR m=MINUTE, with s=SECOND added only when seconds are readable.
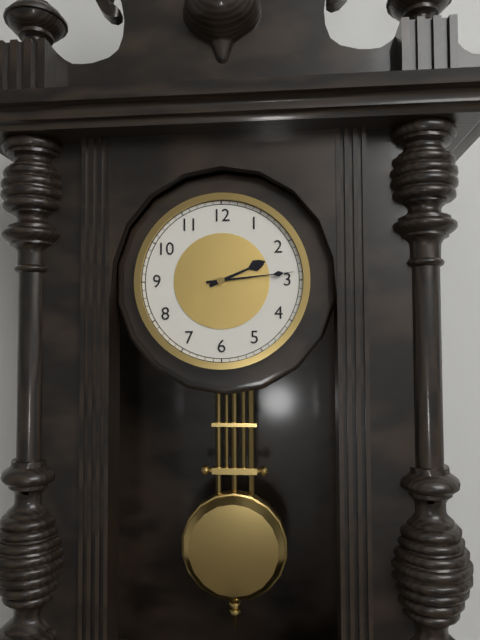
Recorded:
h=2 m=14
